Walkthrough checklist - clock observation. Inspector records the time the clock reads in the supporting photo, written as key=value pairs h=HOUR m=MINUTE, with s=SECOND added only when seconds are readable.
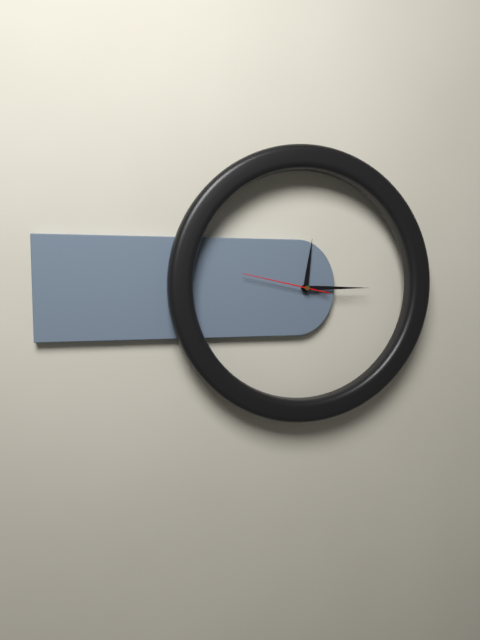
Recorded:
h=12 m=15 s=47
